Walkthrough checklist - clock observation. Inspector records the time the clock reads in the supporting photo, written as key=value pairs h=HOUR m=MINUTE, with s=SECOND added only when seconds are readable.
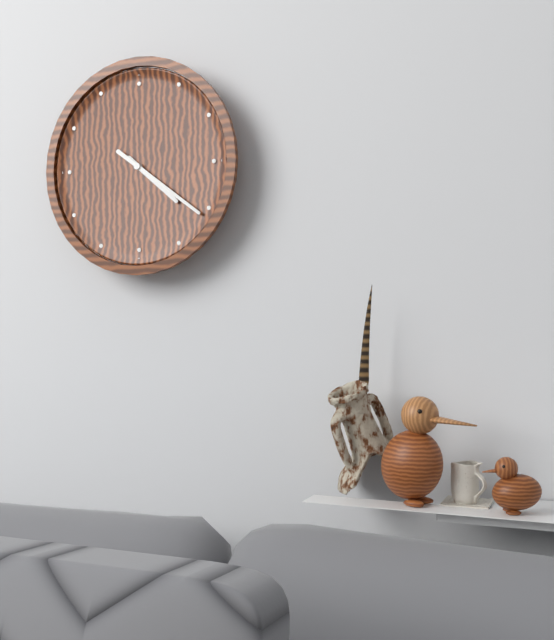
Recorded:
h=4 m=21
